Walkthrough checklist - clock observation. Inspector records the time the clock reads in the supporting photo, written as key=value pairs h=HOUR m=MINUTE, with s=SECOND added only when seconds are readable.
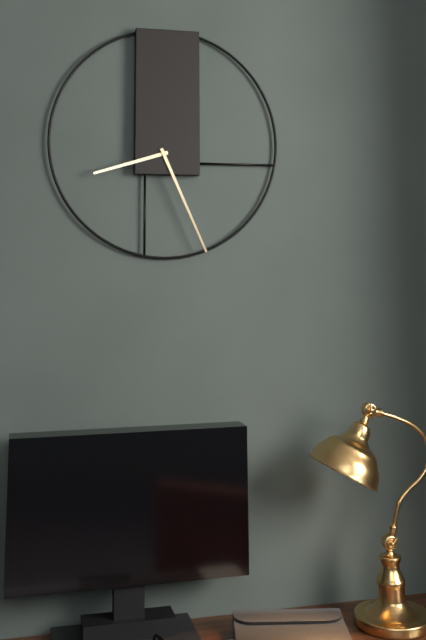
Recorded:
h=8 m=26
